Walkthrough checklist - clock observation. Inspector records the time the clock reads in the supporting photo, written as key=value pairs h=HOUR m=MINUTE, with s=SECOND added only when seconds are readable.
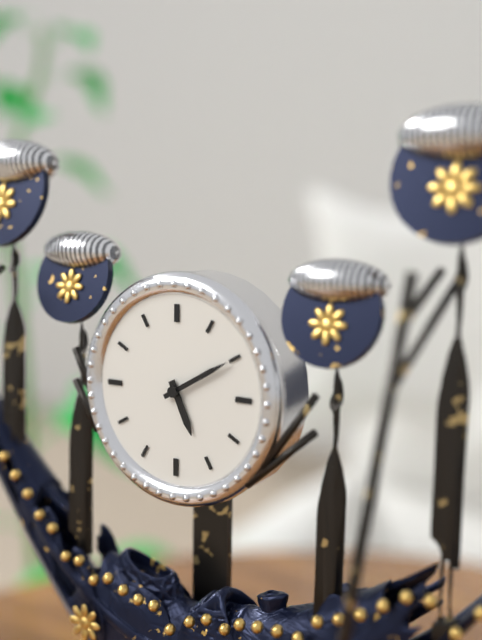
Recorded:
h=5 m=10
